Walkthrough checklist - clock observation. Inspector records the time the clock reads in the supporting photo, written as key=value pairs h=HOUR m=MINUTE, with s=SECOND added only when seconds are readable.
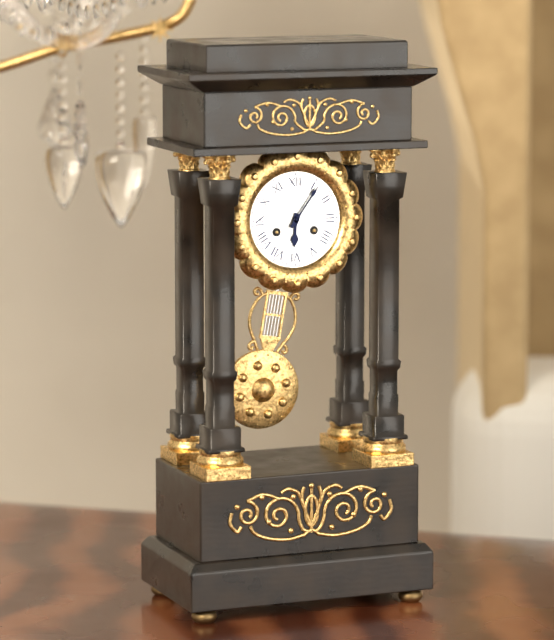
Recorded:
h=6 m=6
